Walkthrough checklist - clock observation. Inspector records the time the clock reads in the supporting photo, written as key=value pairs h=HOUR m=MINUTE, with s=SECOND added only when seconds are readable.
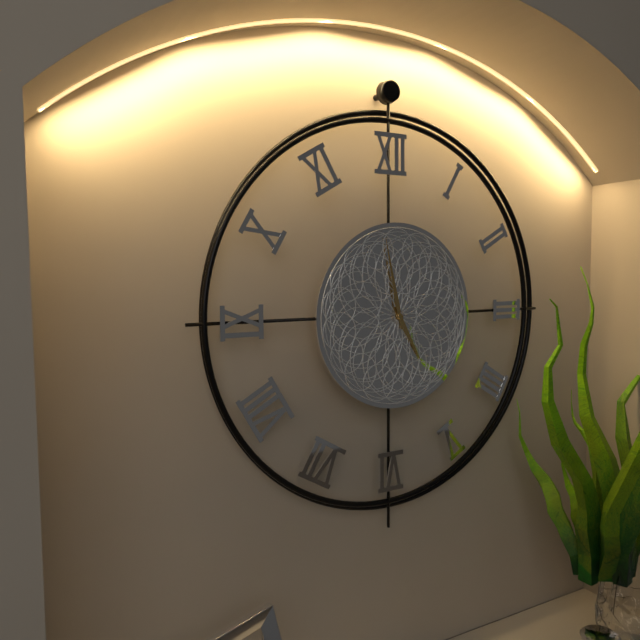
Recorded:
h=4 m=58
